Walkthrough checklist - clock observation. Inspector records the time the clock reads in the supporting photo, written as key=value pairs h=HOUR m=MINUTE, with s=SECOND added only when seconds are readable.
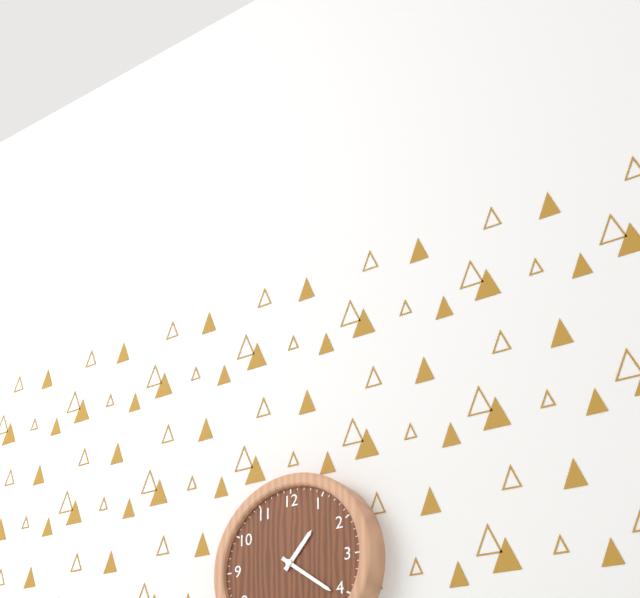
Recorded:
h=1 m=21
